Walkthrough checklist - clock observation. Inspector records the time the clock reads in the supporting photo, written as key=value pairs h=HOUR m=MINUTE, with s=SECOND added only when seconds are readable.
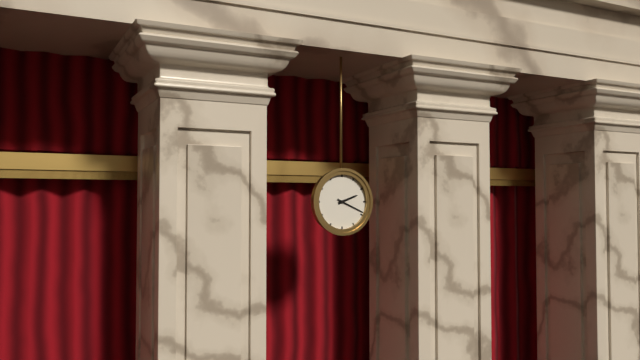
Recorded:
h=2 m=19
